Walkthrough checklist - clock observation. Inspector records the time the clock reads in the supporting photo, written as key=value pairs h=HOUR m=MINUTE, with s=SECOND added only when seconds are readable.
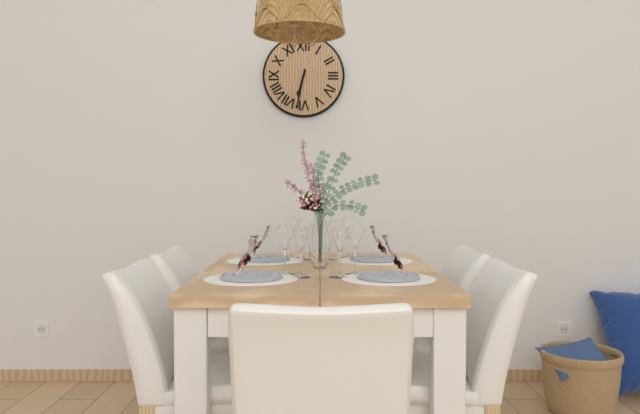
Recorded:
h=6 m=32
